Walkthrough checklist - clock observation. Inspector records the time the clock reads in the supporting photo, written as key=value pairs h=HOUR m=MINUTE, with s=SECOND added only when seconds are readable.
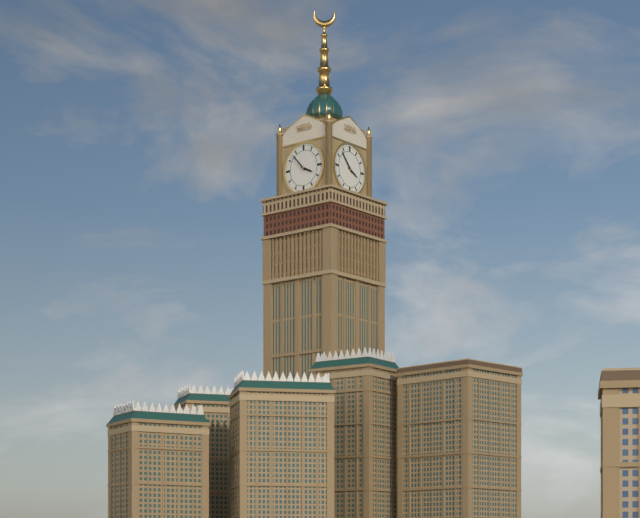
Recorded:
h=3 m=53
